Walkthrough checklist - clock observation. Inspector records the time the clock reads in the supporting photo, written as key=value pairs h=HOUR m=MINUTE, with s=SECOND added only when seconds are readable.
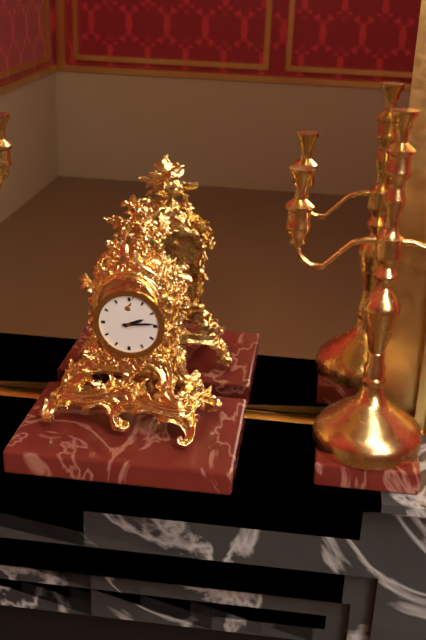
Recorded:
h=2 m=14
